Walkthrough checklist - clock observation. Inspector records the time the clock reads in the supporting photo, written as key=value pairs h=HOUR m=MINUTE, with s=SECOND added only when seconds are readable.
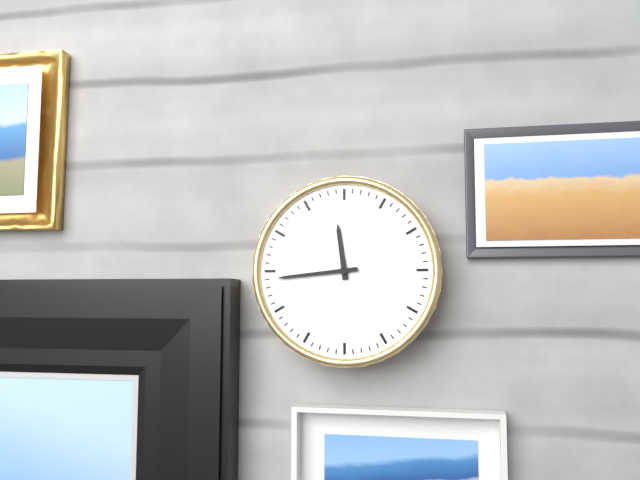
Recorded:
h=11 m=44
